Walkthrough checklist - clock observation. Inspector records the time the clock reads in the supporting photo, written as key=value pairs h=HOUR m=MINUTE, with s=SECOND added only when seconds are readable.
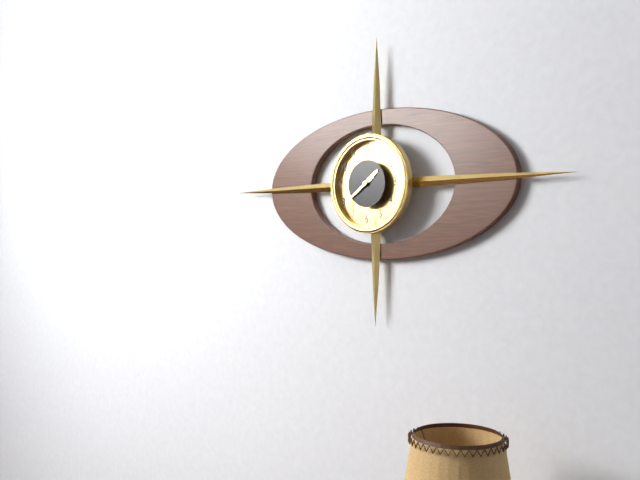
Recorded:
h=1 m=39
